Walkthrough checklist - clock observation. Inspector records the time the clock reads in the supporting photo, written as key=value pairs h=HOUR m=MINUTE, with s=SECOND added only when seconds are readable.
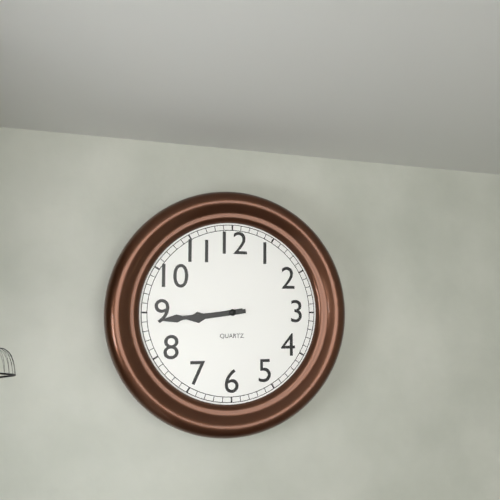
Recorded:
h=8 m=44
